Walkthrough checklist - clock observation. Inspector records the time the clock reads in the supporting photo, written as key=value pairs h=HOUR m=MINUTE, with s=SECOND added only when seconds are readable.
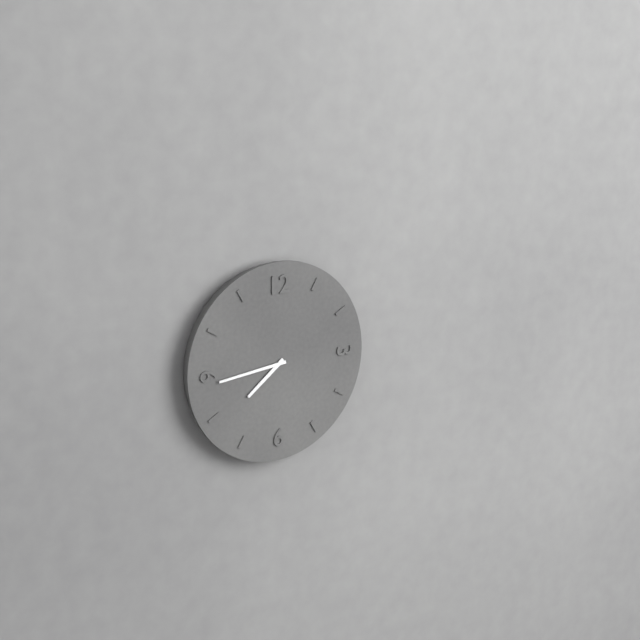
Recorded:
h=7 m=44
